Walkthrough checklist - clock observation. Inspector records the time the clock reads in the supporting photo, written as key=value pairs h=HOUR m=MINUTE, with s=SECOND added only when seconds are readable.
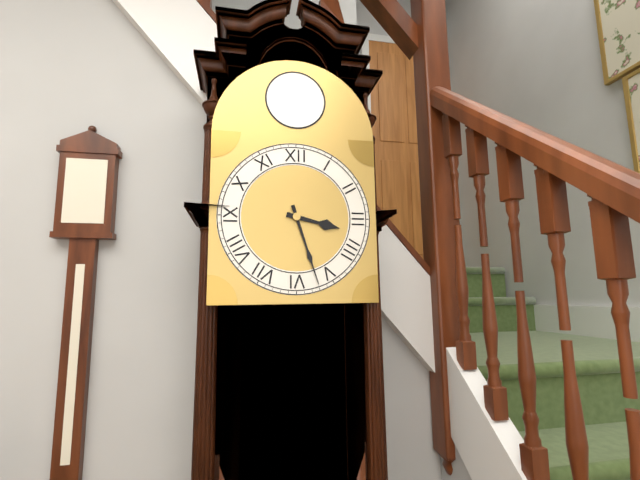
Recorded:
h=3 m=27
